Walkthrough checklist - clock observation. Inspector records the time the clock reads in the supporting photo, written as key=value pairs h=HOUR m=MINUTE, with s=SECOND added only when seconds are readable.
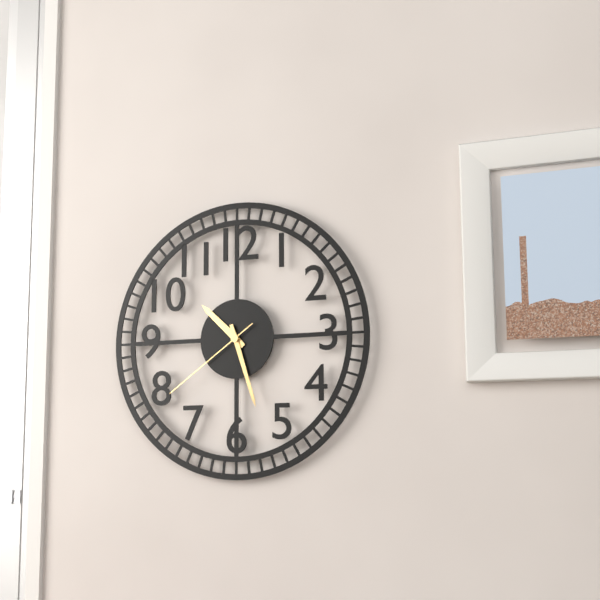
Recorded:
h=10 m=27 s=39
